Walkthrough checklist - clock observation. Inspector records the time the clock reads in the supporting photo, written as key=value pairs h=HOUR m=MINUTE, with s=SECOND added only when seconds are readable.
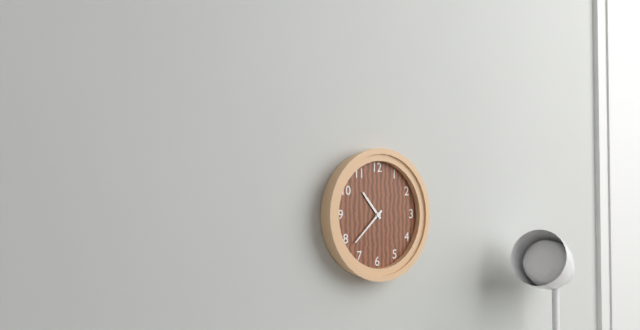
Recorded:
h=10 m=38
